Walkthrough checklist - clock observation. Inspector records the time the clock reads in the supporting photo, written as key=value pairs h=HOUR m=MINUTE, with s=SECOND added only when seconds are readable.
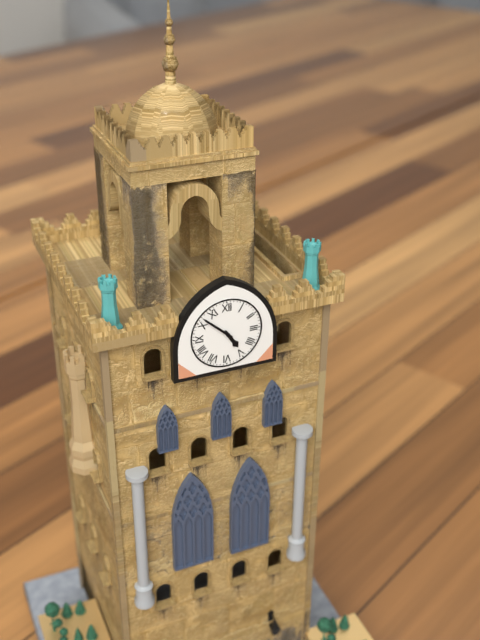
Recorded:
h=4 m=52
